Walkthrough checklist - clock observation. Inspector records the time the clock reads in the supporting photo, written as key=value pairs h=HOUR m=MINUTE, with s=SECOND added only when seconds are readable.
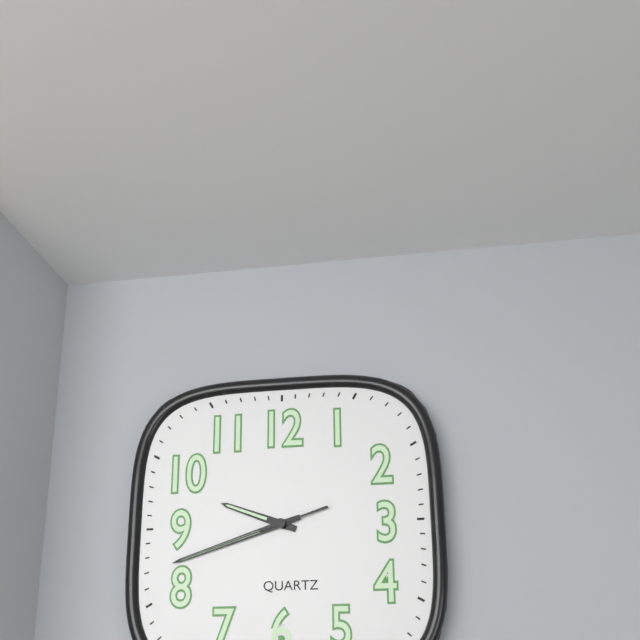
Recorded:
h=9 m=42 s=42
